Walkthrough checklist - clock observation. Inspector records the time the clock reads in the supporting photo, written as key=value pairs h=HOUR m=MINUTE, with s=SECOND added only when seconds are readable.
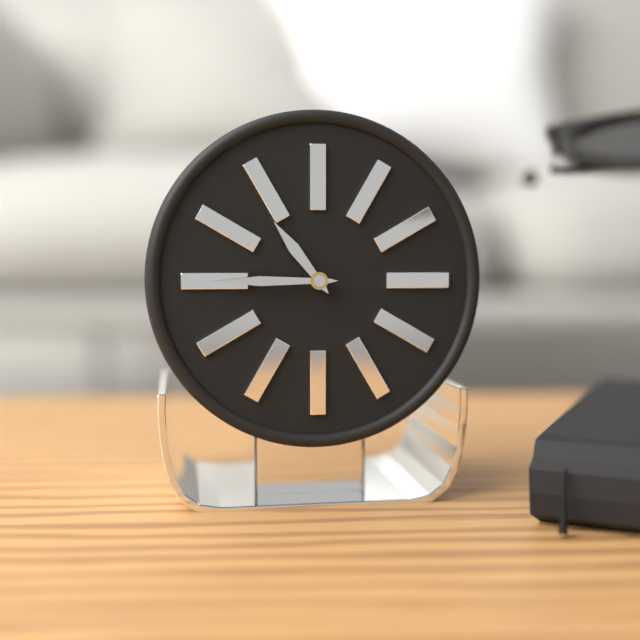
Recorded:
h=10 m=45
